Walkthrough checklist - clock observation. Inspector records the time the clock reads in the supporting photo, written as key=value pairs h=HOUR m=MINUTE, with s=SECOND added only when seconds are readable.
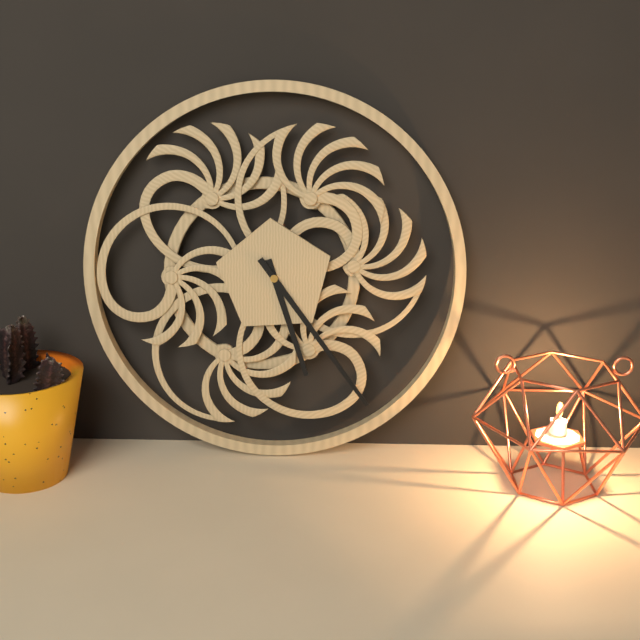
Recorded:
h=5 m=24
